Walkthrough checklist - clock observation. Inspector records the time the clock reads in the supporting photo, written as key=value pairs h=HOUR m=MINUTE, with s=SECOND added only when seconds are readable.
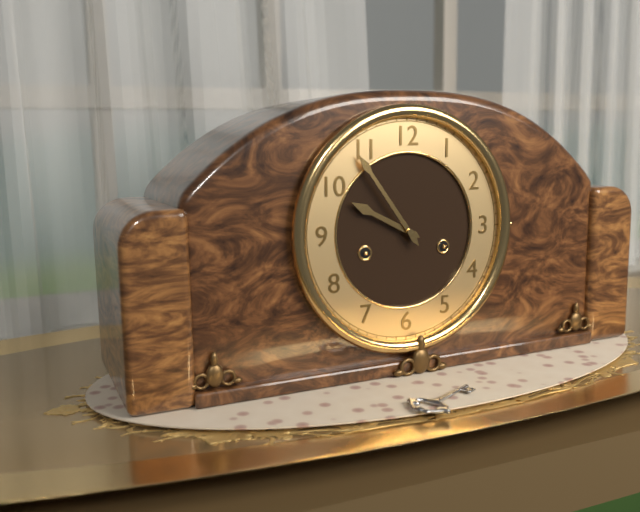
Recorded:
h=9 m=54
